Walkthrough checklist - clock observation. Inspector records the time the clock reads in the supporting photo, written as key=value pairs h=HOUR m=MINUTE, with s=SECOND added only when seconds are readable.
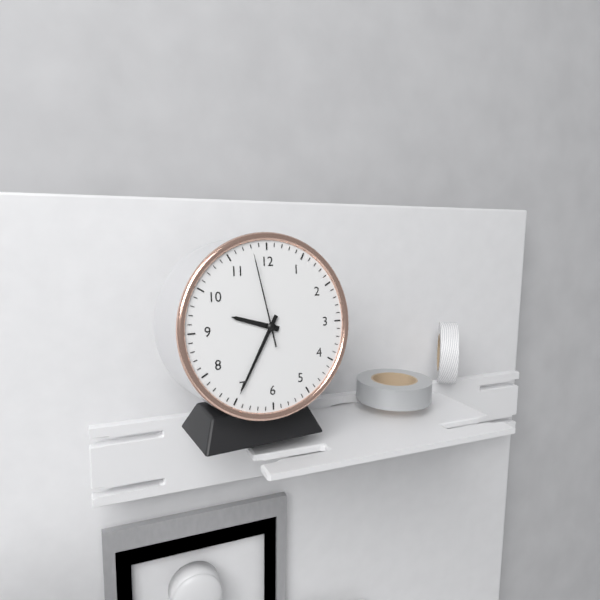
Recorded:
h=9 m=35 s=58
